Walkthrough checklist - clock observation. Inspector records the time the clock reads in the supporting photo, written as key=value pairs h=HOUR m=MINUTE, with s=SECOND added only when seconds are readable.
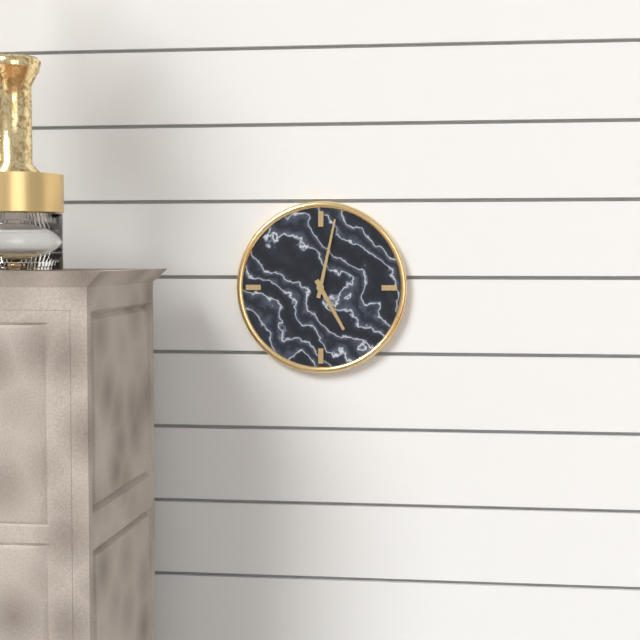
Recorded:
h=5 m=2
